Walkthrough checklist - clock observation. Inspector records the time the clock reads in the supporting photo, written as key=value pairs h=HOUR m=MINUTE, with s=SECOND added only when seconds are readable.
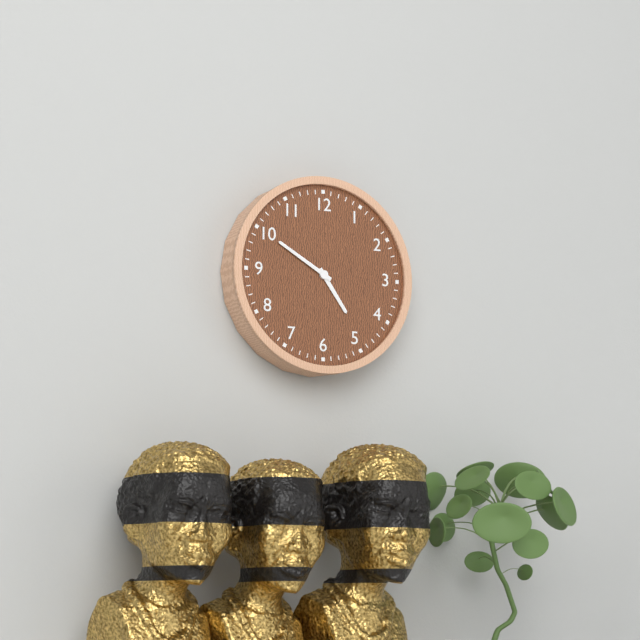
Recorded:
h=4 m=50
